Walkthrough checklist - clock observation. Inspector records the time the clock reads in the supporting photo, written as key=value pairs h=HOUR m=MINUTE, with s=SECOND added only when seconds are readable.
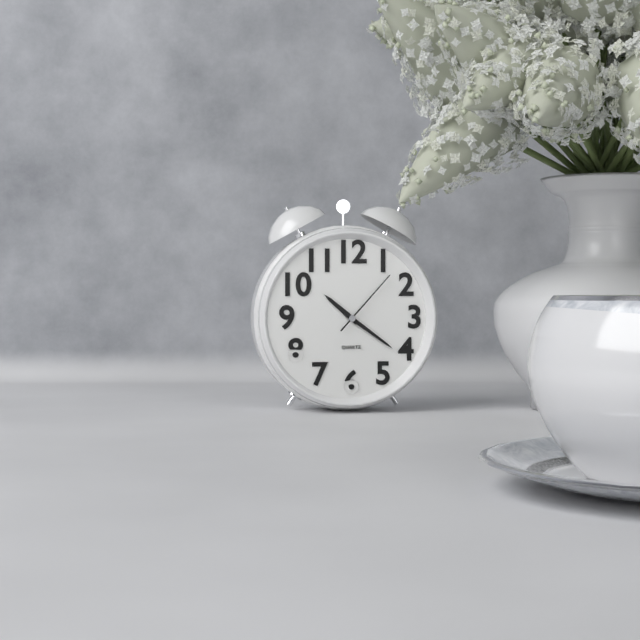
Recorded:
h=10 m=21 s=7
